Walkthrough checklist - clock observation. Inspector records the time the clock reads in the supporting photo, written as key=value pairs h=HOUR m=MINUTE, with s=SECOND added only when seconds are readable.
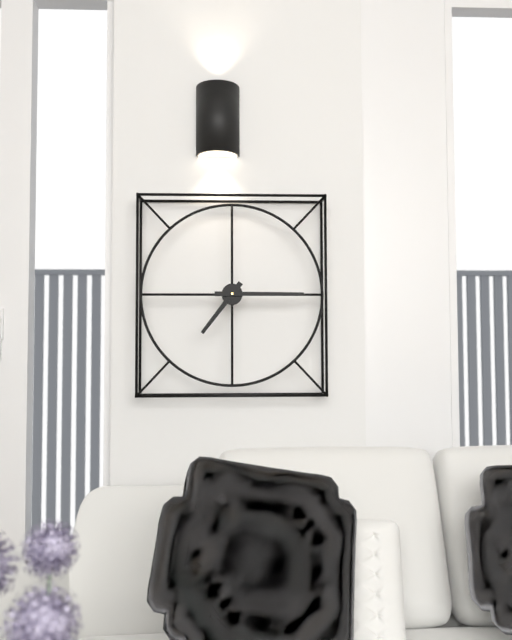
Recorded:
h=7 m=15
